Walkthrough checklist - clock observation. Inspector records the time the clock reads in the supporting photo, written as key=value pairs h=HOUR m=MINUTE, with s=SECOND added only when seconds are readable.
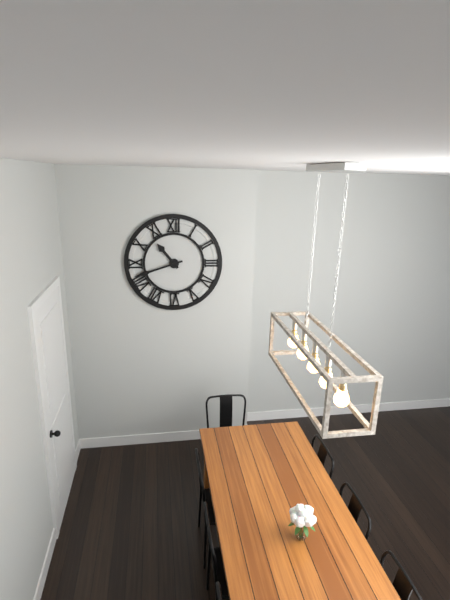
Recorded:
h=10 m=42
